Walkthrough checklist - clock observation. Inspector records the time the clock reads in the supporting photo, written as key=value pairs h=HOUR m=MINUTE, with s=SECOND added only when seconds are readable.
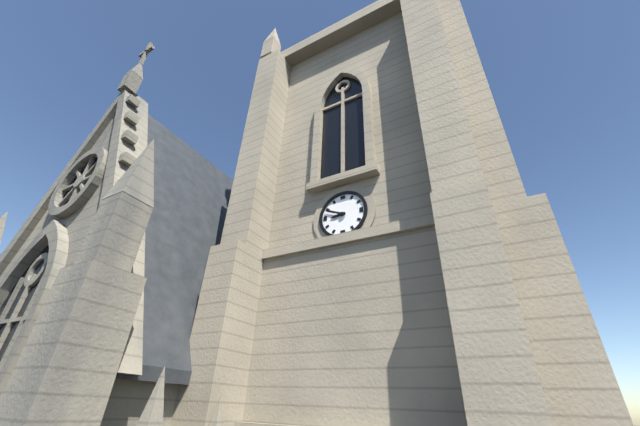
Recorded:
h=8 m=49
